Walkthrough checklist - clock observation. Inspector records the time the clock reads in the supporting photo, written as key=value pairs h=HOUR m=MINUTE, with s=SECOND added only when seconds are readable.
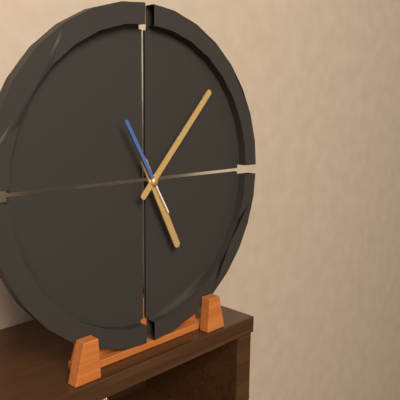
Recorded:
h=5 m=7 s=55
